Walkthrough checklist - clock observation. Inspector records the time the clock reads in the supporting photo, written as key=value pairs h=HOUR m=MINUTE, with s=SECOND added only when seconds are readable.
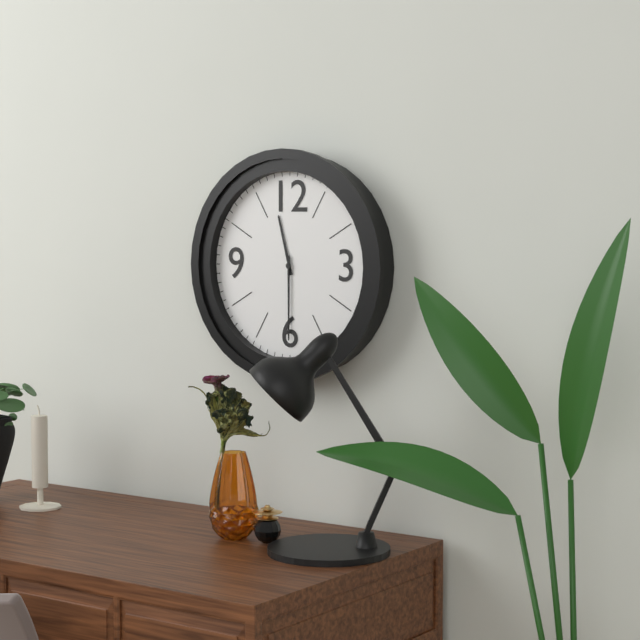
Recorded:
h=11 m=30
